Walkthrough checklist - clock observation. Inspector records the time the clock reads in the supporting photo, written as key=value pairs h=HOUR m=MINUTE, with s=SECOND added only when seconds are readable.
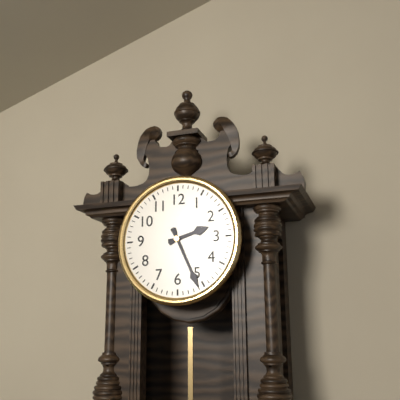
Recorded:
h=2 m=26
